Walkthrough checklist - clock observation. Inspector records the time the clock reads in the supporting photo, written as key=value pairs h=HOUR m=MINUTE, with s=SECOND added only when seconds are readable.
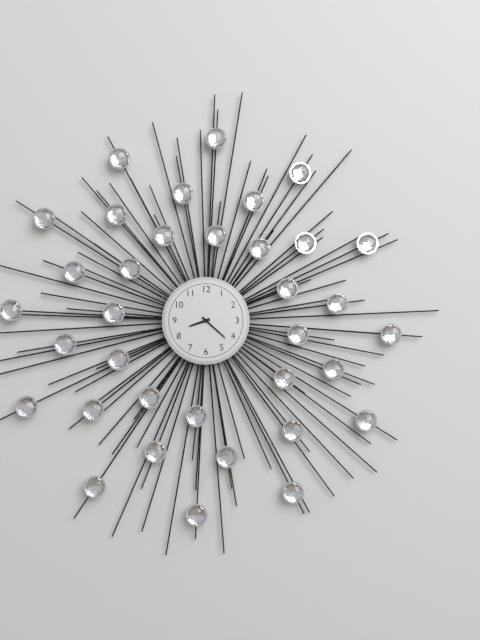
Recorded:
h=8 m=22
